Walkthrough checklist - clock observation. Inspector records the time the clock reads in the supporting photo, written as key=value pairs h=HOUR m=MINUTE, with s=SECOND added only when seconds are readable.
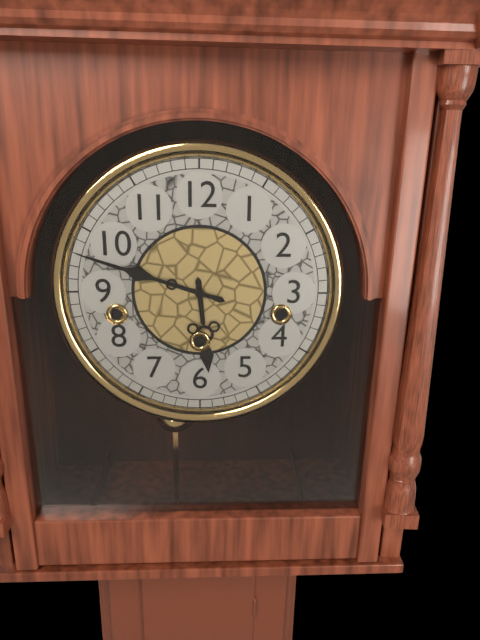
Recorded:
h=5 m=48
